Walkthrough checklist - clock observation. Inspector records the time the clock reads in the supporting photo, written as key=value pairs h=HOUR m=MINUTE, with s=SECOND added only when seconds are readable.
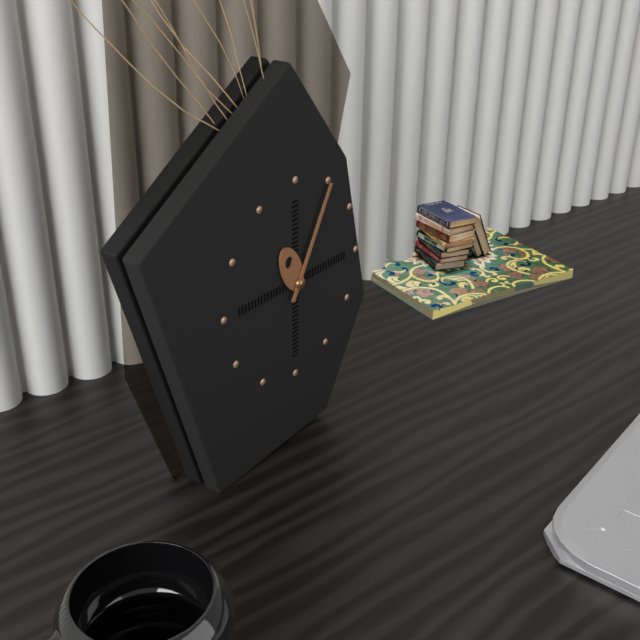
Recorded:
h=11 m=5
